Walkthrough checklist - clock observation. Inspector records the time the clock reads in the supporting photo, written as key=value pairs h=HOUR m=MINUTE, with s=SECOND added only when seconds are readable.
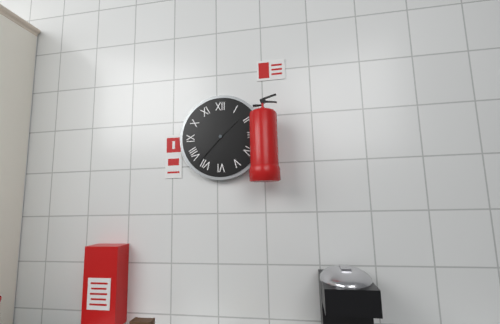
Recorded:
h=1 m=37
